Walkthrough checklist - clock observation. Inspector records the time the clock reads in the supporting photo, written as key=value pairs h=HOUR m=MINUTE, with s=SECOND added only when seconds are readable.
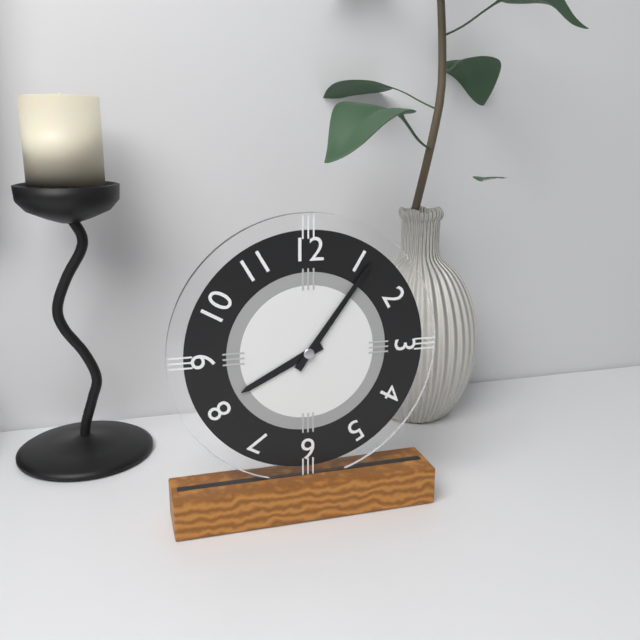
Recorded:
h=8 m=6
